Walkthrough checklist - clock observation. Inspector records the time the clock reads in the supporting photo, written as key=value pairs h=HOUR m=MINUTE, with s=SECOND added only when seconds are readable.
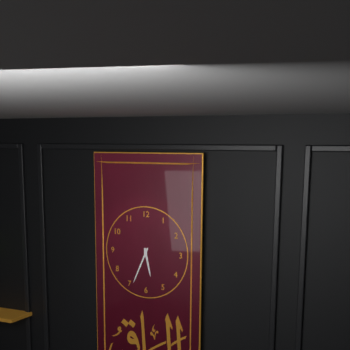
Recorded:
h=5 m=34
